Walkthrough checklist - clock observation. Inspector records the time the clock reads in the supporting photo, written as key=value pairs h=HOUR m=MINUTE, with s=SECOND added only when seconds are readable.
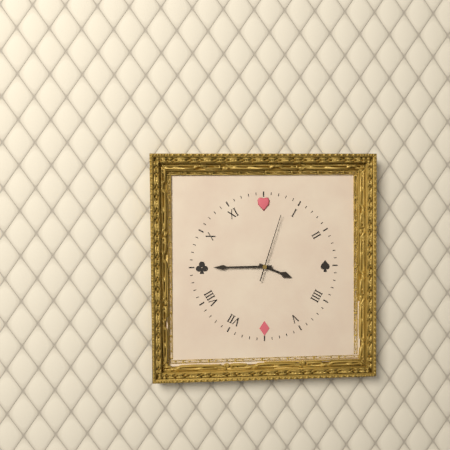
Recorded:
h=3 m=45 s=3
